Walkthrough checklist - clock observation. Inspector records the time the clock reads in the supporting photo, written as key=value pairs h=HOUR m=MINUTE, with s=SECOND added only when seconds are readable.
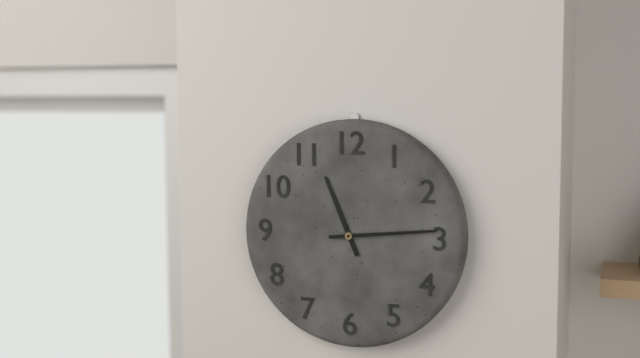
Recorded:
h=11 m=14
